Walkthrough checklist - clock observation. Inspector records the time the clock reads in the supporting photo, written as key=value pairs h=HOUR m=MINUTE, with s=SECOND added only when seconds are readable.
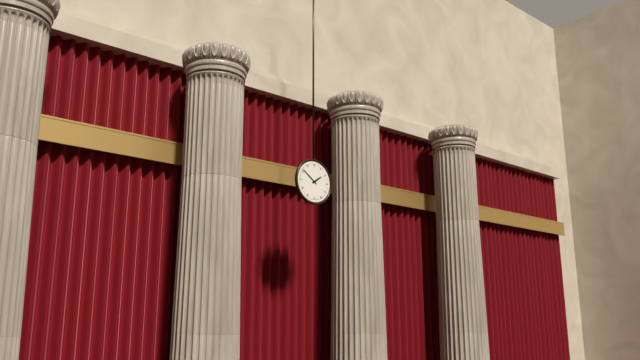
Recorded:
h=1 m=51
